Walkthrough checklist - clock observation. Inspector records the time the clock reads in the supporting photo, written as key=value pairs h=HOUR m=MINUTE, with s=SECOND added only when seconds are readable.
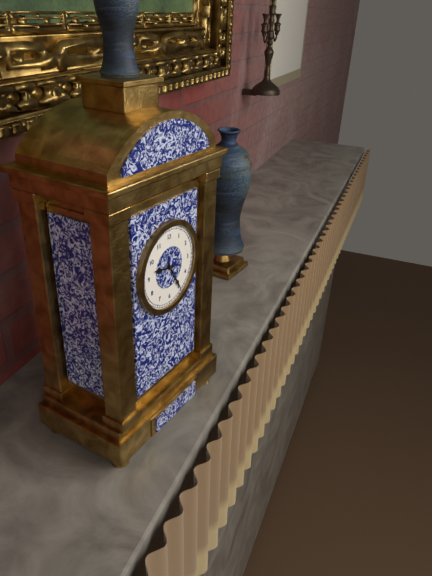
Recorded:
h=9 m=25
